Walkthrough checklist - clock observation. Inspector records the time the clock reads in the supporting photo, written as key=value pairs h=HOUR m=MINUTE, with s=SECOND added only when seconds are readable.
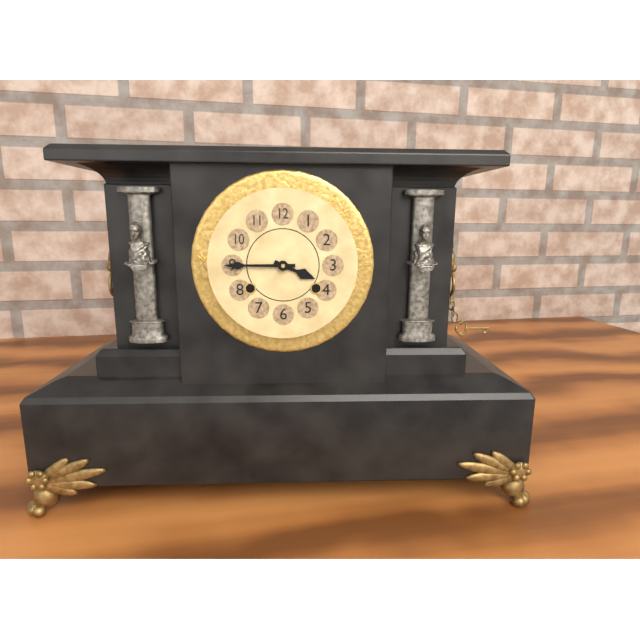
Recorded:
h=3 m=45
